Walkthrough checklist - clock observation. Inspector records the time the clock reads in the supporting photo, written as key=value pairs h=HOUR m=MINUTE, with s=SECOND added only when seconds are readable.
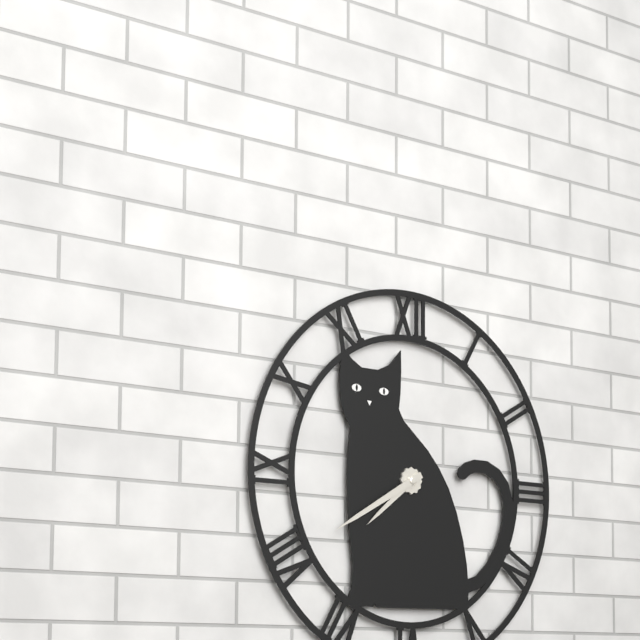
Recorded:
h=7 m=40
